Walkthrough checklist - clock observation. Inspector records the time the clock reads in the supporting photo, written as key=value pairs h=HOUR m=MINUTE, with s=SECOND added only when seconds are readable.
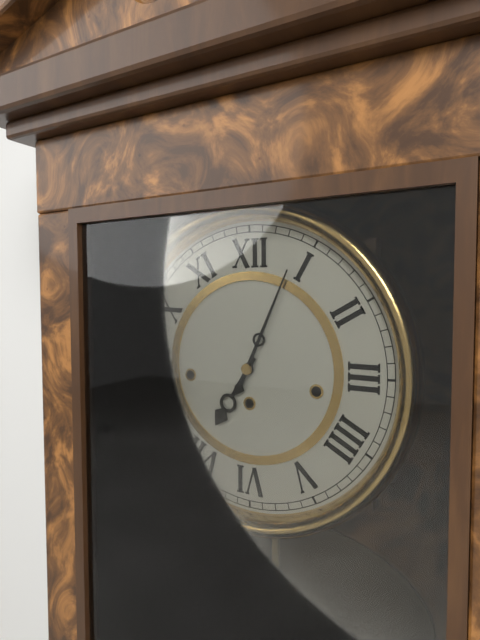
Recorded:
h=7 m=4
